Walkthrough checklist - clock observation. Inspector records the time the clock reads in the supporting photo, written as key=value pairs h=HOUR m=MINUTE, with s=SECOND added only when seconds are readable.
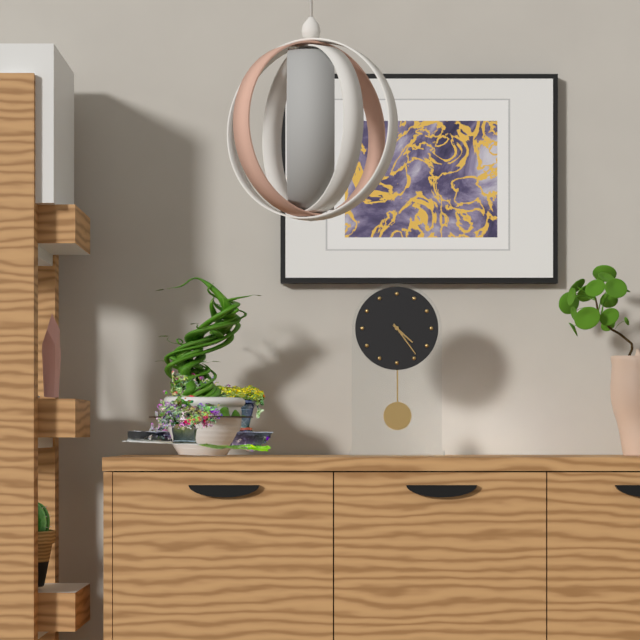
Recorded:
h=4 m=24
